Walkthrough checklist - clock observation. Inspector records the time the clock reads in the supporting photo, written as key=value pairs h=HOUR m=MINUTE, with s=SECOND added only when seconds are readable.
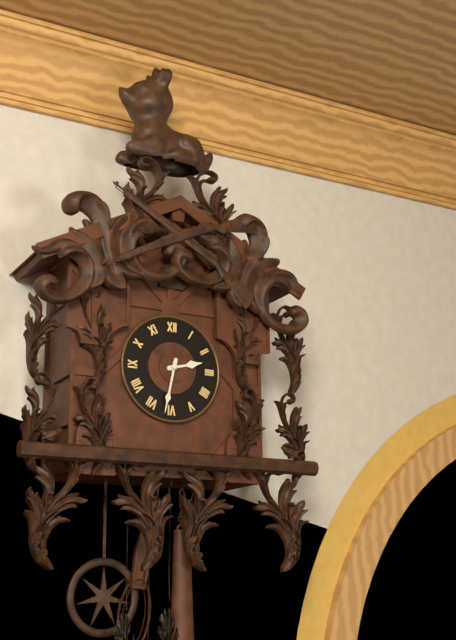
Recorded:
h=2 m=32
